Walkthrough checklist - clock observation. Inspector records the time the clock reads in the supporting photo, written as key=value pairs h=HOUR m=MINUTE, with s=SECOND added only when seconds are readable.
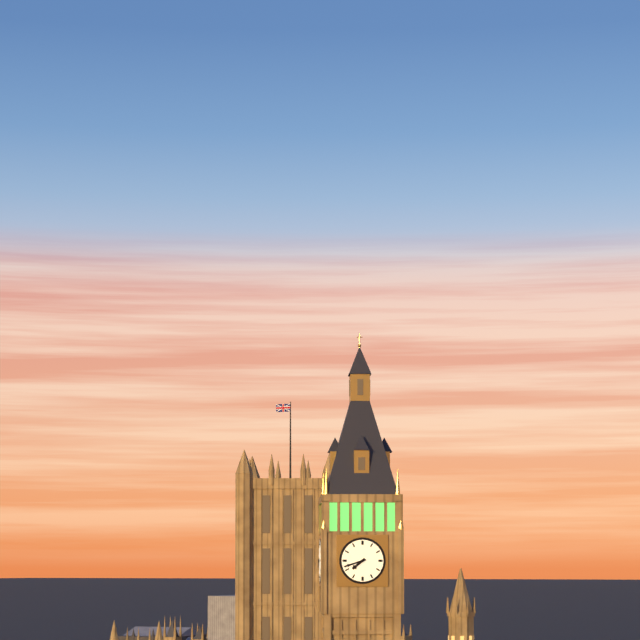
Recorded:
h=7 m=42
